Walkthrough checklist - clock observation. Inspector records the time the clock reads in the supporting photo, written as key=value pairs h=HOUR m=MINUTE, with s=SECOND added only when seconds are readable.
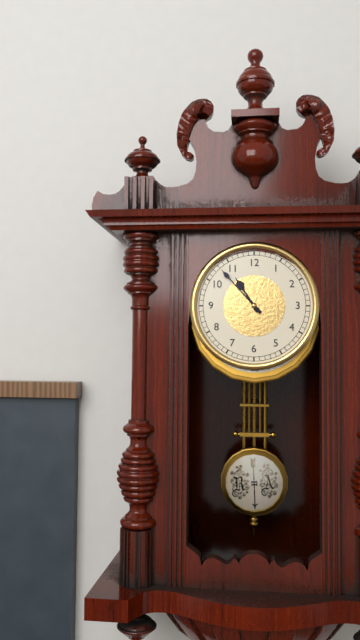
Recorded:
h=10 m=53
